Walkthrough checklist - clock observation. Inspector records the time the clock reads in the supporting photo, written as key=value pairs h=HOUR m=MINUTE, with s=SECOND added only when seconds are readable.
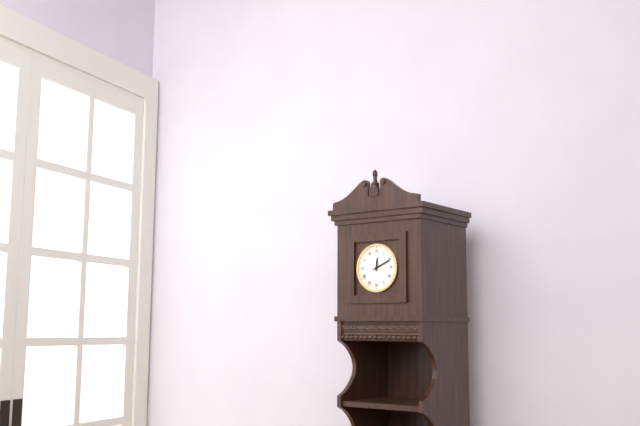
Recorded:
h=12 m=11
